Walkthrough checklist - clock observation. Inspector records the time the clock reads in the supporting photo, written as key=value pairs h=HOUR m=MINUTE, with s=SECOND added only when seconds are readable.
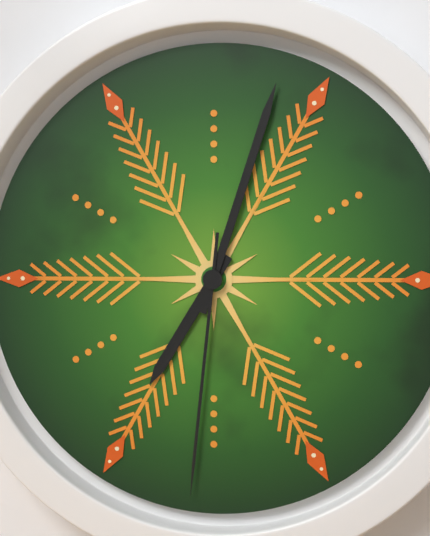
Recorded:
h=7 m=3 s=31
